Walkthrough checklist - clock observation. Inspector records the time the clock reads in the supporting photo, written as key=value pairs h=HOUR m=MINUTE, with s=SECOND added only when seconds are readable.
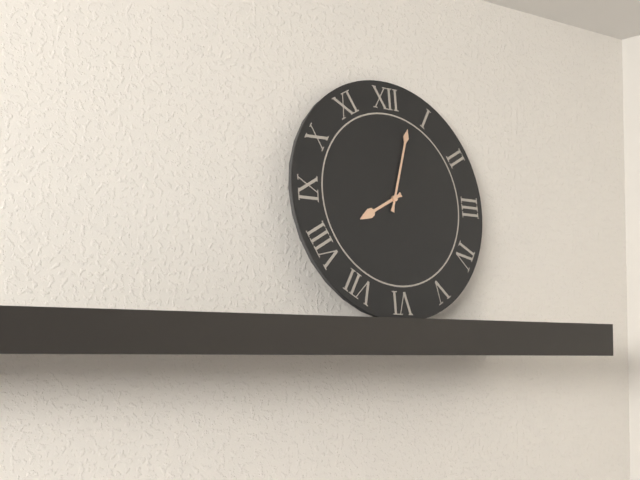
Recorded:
h=8 m=3
